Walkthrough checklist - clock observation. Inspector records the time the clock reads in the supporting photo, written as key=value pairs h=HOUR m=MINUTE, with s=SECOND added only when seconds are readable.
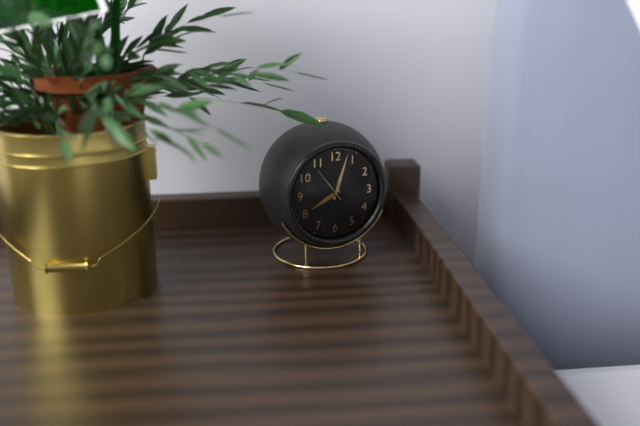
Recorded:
h=8 m=3
